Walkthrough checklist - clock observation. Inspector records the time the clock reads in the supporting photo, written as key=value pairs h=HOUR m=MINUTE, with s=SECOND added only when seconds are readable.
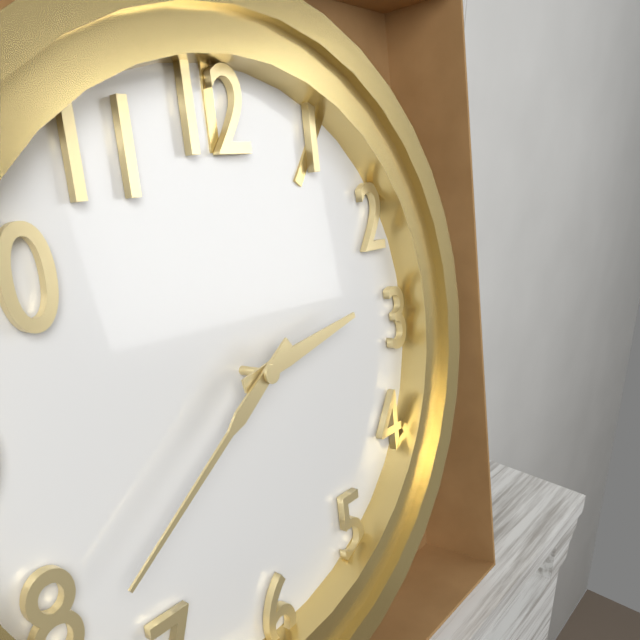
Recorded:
h=2 m=39
